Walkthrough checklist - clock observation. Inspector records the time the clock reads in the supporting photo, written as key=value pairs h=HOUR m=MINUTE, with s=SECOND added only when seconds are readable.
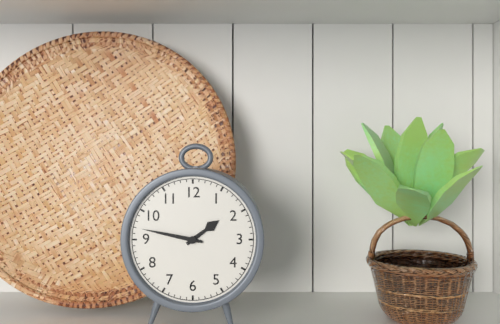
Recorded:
h=1 m=47
